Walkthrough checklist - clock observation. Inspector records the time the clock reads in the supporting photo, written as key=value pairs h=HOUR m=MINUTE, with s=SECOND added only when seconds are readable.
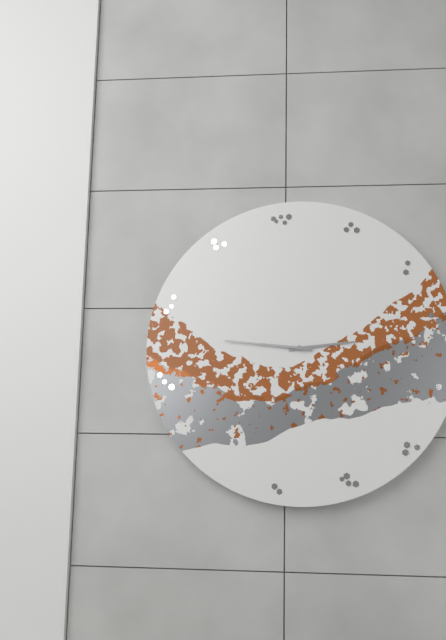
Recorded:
h=2 m=46
